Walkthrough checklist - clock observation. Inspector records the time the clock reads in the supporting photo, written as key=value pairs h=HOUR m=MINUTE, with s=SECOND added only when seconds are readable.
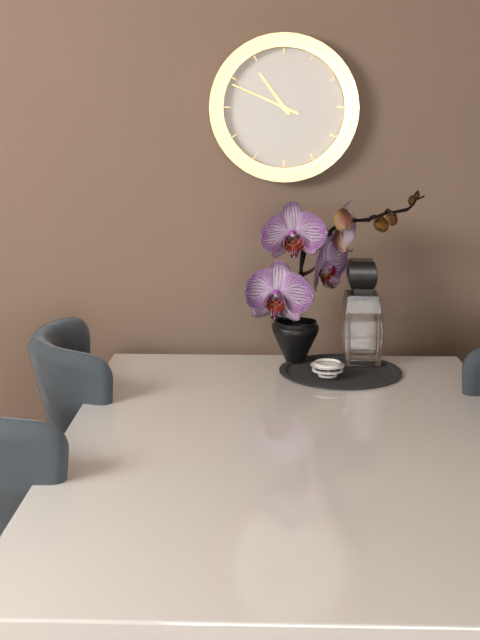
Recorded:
h=10 m=49
